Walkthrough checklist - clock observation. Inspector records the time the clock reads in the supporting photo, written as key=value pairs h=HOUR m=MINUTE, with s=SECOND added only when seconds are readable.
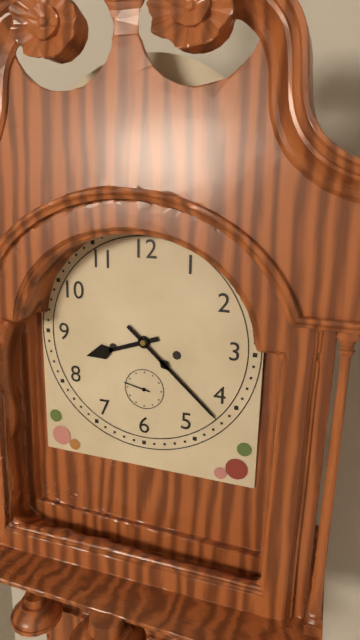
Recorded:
h=8 m=22
